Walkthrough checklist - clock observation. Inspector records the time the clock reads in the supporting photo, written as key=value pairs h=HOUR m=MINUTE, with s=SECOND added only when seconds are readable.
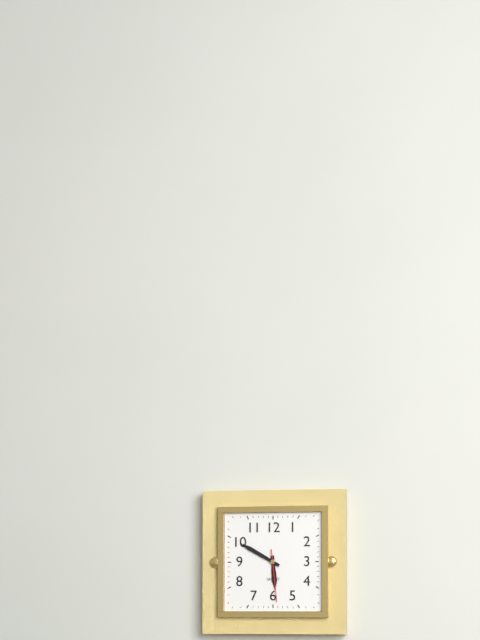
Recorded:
h=5 m=50 s=29
